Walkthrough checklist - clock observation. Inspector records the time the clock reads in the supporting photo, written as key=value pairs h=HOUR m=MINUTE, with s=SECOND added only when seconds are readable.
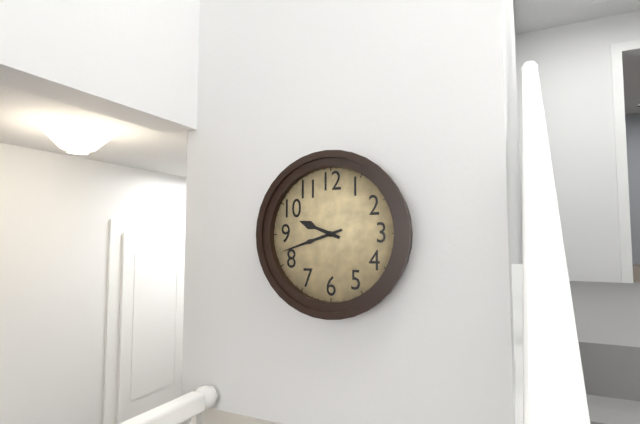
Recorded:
h=9 m=42
